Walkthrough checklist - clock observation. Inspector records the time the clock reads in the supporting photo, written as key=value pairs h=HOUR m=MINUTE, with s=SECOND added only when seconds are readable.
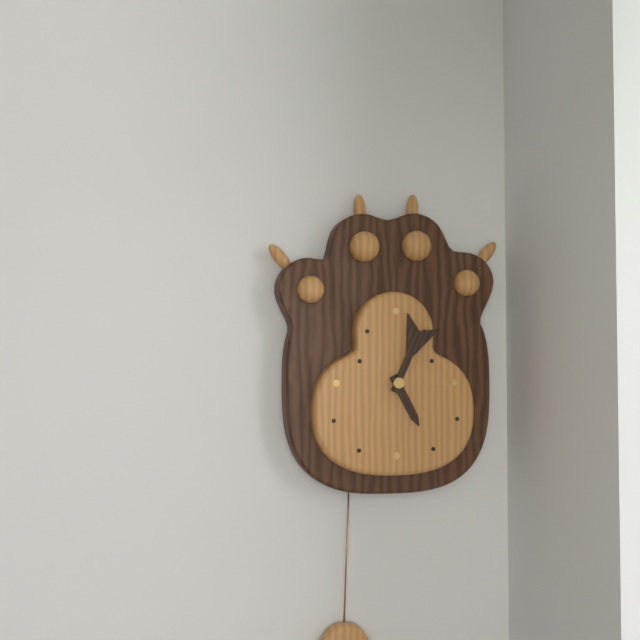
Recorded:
h=5 m=4
